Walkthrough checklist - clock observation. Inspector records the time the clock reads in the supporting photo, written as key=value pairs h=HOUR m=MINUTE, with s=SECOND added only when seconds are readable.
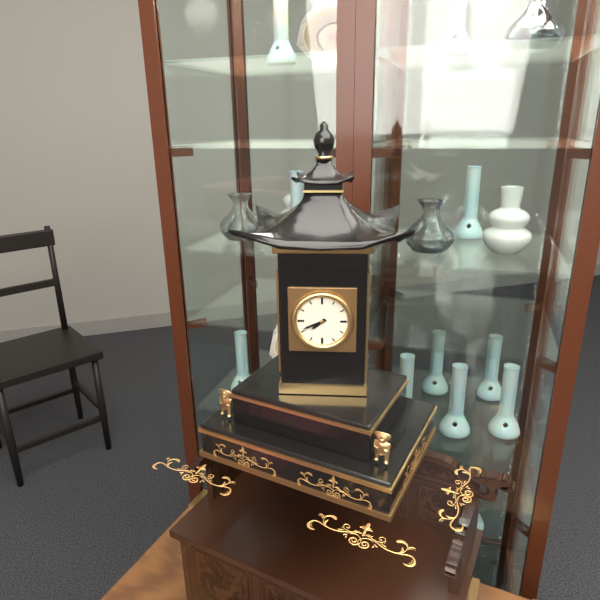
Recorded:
h=7 m=41
